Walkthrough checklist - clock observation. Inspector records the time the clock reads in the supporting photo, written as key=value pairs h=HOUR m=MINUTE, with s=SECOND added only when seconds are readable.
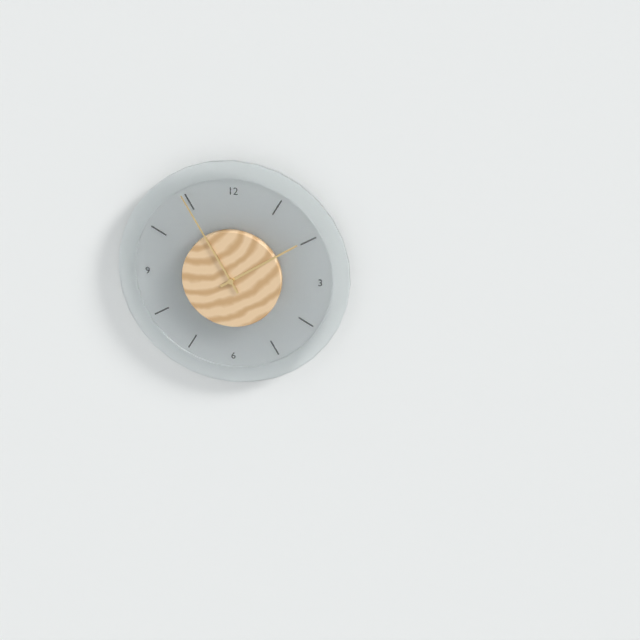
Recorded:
h=1 m=55
